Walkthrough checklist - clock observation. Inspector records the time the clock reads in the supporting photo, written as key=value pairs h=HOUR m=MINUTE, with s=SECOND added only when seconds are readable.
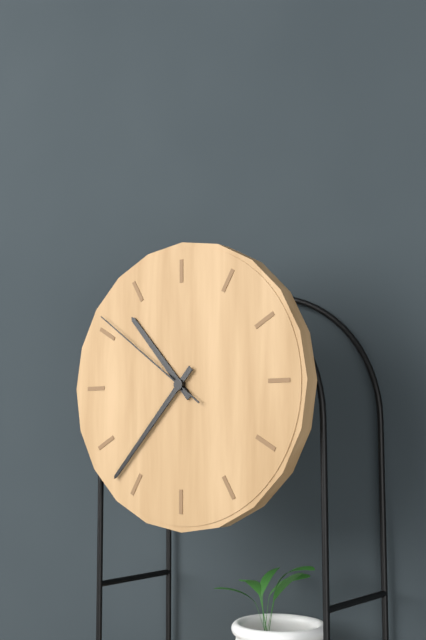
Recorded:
h=10 m=37 s=51
